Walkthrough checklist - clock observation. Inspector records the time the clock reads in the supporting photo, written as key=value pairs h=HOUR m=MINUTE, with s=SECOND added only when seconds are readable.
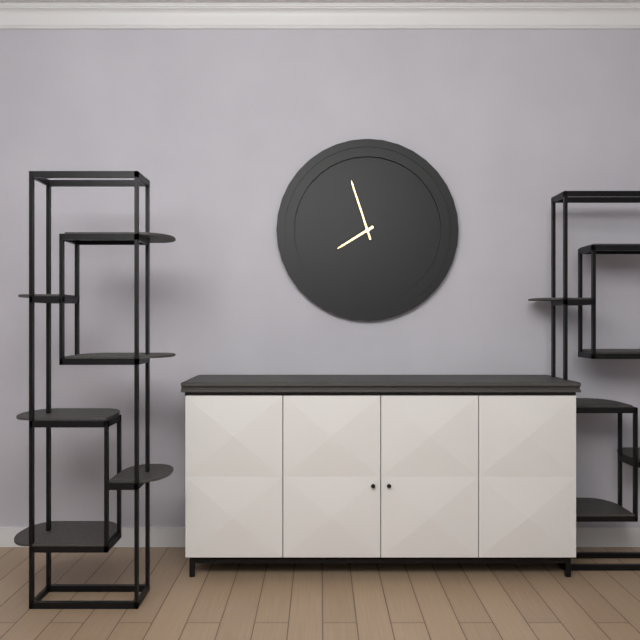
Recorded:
h=7 m=57
